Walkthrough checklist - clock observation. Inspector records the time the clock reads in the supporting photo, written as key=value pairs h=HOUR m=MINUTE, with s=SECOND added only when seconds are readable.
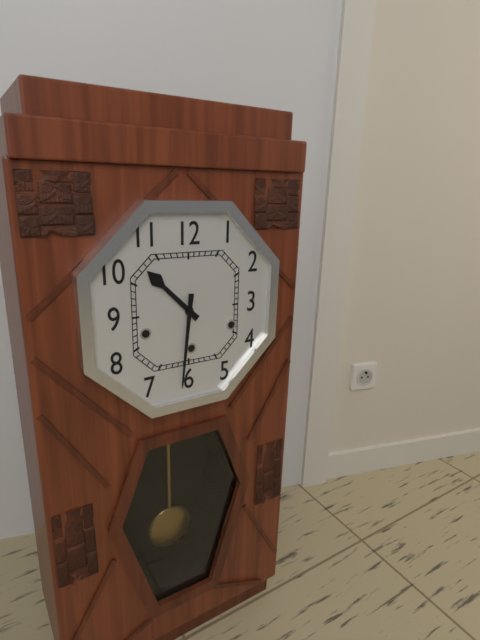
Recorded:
h=10 m=31
